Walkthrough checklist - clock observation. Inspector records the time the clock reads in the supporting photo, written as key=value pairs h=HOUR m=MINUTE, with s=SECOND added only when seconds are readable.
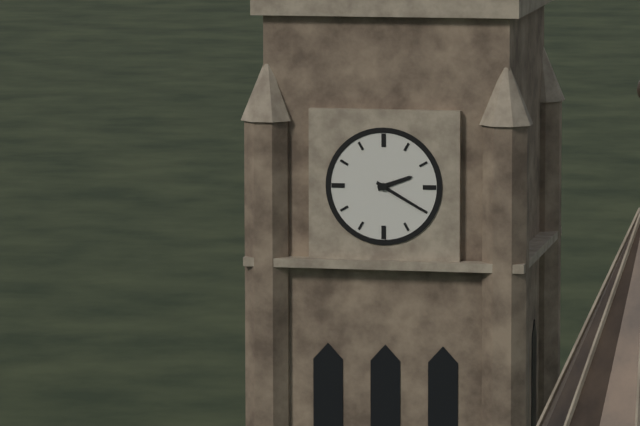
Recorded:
h=2 m=20
